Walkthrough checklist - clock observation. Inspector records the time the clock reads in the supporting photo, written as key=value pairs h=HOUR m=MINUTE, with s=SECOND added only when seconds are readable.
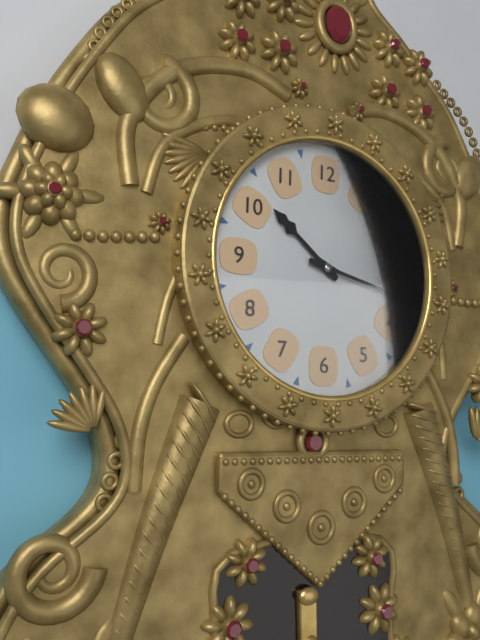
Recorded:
h=10 m=17
